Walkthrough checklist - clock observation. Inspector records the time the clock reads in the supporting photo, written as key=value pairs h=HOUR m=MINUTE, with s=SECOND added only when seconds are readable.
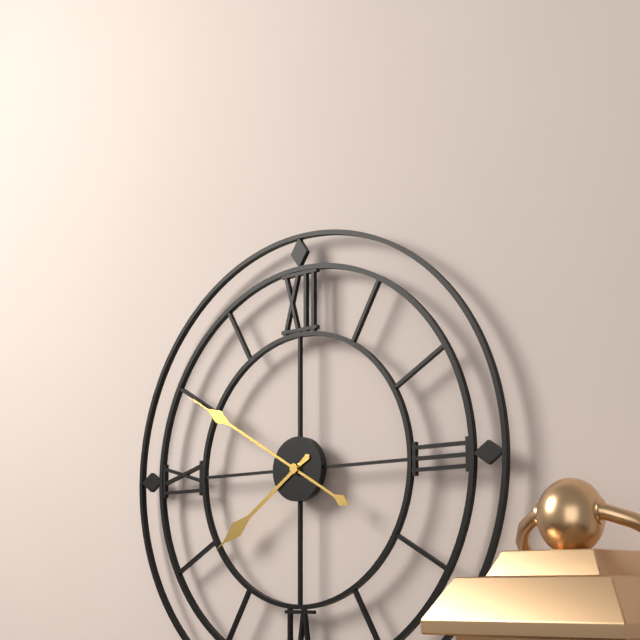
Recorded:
h=7 m=50
